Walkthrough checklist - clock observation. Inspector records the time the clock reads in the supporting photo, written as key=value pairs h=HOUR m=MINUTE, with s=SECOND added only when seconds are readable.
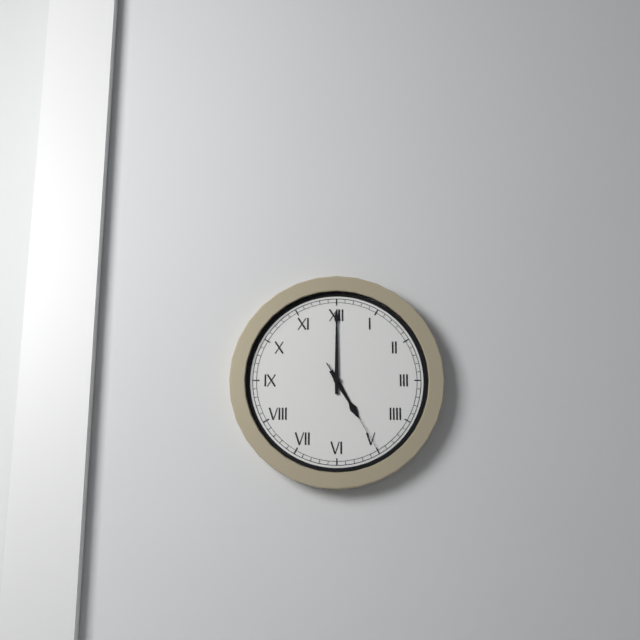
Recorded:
h=5 m=0 s=25
